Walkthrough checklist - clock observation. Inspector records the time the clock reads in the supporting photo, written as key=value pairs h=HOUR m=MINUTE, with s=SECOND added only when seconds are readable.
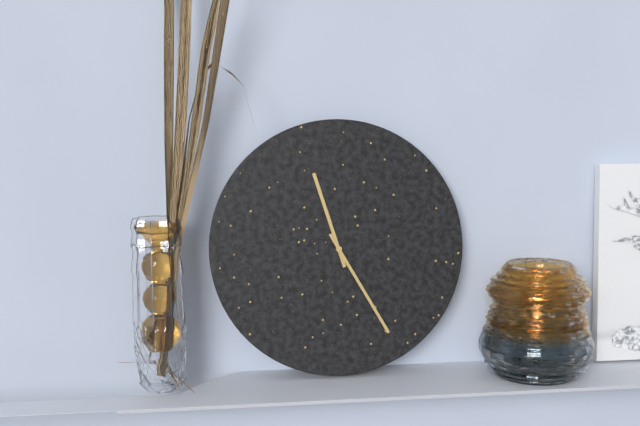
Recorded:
h=11 m=25
